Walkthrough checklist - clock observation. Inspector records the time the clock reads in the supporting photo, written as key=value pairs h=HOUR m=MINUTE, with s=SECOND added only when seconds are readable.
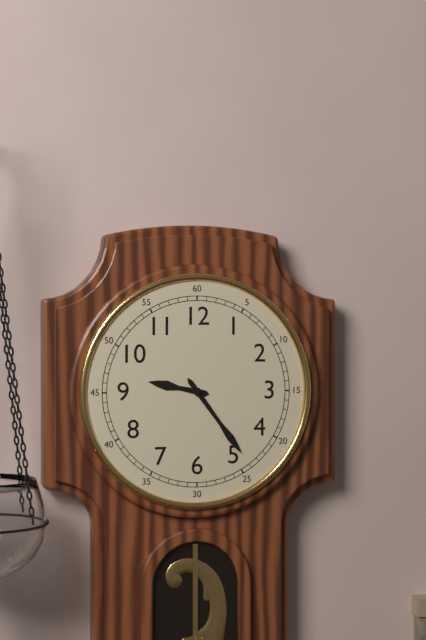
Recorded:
h=9 m=24
